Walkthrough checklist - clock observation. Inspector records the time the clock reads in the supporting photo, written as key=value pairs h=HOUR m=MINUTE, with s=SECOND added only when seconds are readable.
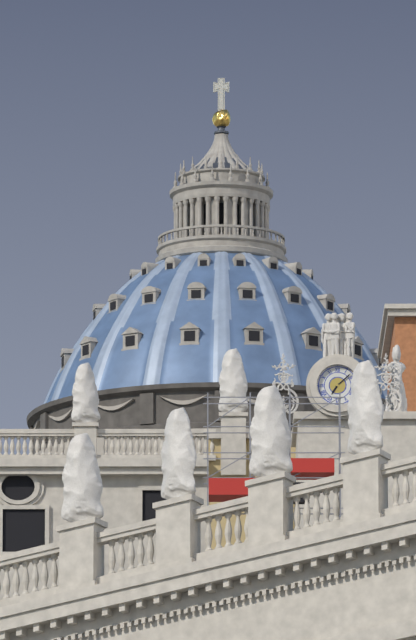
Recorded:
h=7 m=8
